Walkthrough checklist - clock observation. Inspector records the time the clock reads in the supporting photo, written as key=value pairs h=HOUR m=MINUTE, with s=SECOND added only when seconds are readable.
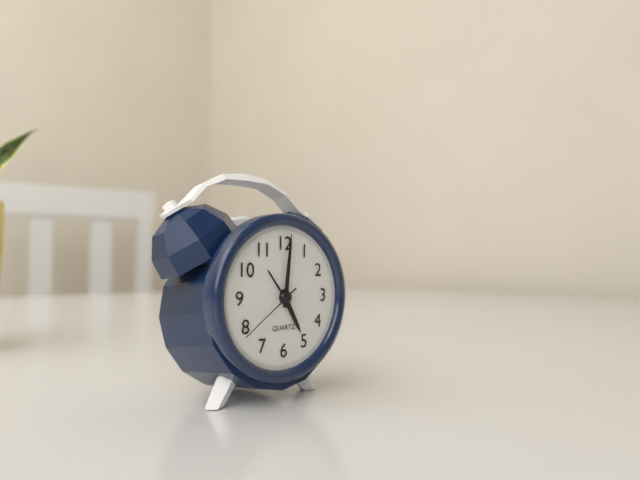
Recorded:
h=5 m=1 s=39
